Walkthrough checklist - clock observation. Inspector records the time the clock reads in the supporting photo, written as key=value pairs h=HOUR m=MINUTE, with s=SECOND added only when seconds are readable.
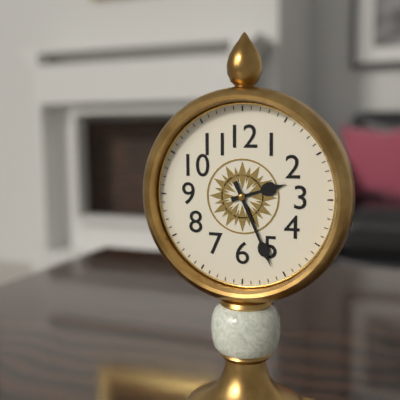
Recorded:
h=2 m=26
